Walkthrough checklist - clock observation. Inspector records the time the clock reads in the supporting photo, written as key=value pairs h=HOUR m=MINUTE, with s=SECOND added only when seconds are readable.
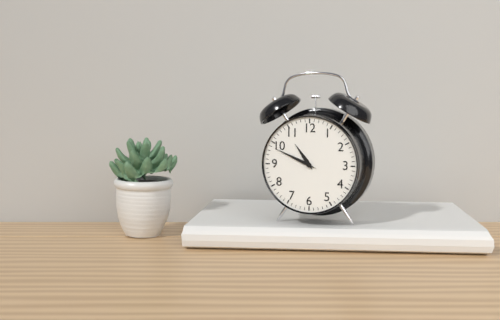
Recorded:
h=10 m=49
